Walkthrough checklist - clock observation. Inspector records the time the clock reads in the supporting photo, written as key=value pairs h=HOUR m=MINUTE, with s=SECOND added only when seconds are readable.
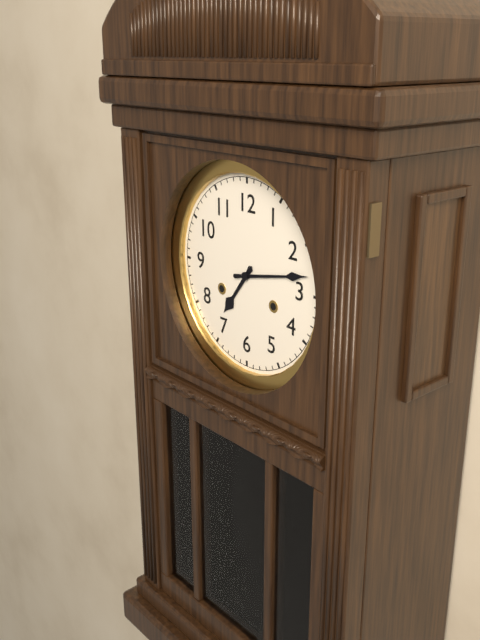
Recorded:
h=7 m=13
